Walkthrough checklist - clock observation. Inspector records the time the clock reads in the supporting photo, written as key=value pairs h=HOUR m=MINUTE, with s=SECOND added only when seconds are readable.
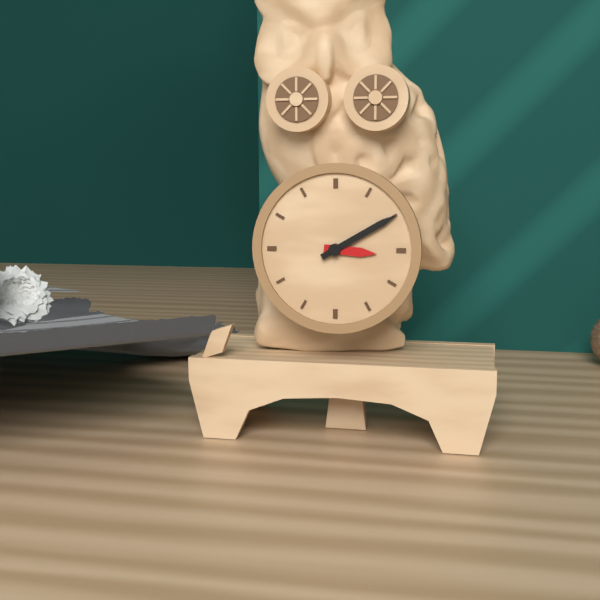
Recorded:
h=3 m=10
